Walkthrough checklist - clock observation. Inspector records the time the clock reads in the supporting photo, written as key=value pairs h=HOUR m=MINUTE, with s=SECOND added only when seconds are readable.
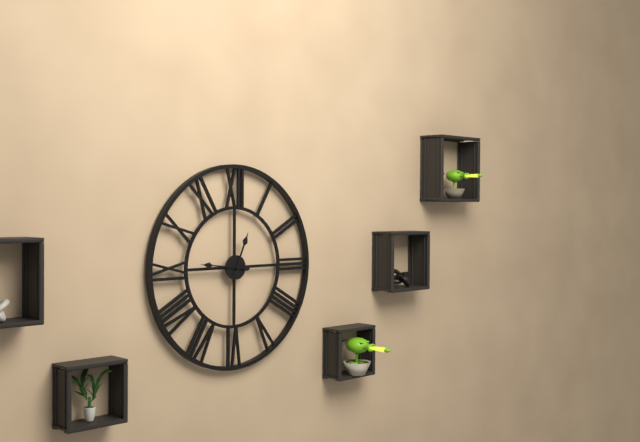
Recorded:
h=12 m=46
